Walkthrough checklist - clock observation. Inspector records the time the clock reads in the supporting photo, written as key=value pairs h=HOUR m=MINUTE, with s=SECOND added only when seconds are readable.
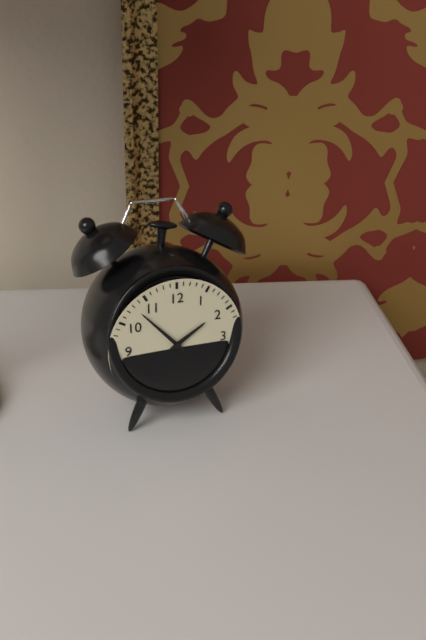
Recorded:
h=1 m=53
